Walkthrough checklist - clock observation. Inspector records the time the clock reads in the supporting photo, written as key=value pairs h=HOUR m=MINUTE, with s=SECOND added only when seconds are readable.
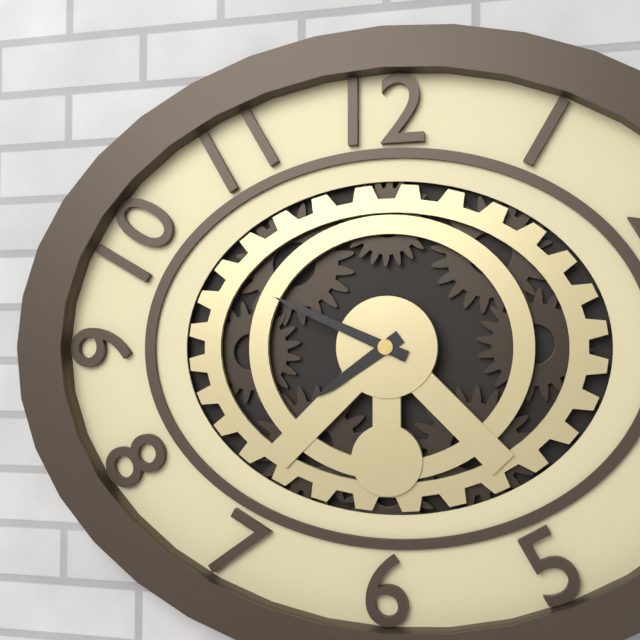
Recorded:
h=7 m=49
